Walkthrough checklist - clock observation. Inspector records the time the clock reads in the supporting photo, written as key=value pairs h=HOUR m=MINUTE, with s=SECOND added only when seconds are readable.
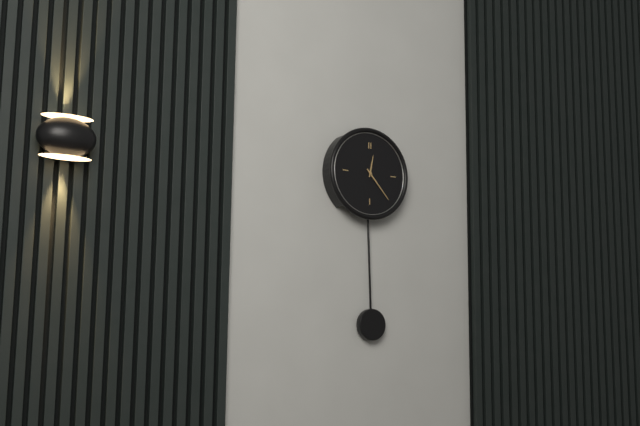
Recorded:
h=12 m=23
